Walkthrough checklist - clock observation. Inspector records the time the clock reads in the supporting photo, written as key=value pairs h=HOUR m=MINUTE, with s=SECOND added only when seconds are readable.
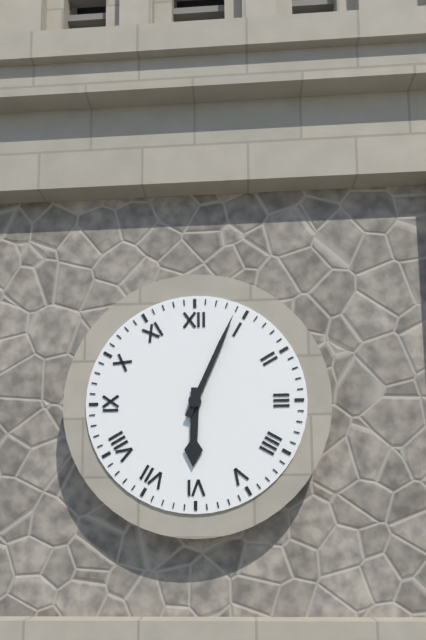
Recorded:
h=6 m=4
